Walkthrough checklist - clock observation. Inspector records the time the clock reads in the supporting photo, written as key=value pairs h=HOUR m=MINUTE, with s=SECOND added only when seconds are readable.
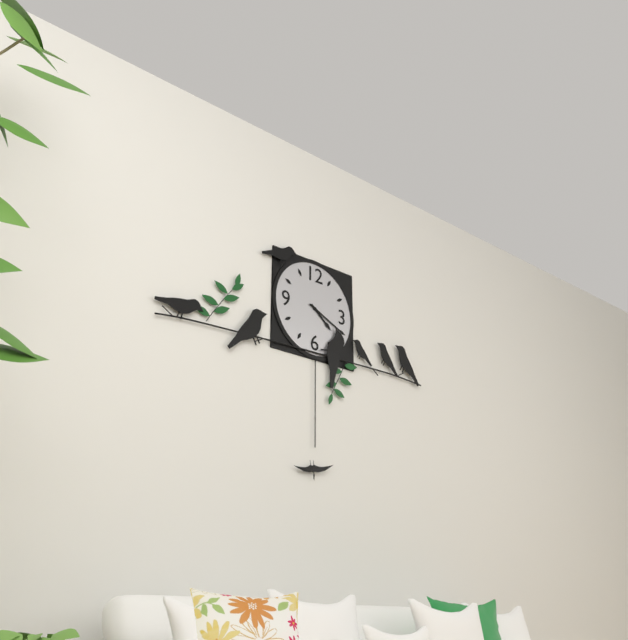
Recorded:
h=4 m=19
